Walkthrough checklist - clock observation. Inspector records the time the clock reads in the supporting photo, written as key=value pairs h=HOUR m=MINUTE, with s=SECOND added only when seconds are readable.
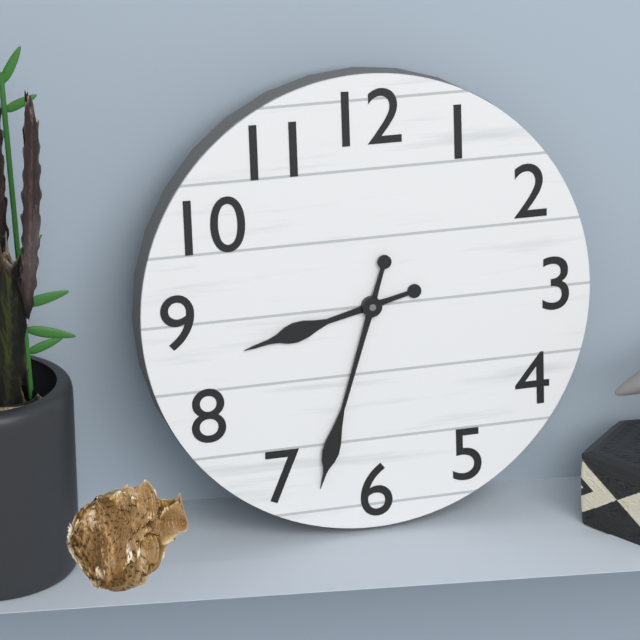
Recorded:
h=8 m=33
